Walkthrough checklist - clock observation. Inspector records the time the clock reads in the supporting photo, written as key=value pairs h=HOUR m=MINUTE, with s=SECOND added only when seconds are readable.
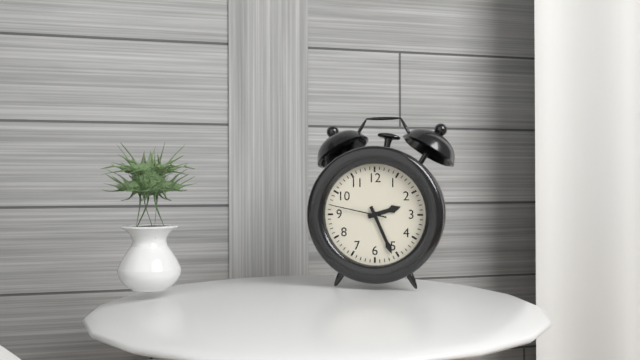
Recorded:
h=2 m=26 s=47
